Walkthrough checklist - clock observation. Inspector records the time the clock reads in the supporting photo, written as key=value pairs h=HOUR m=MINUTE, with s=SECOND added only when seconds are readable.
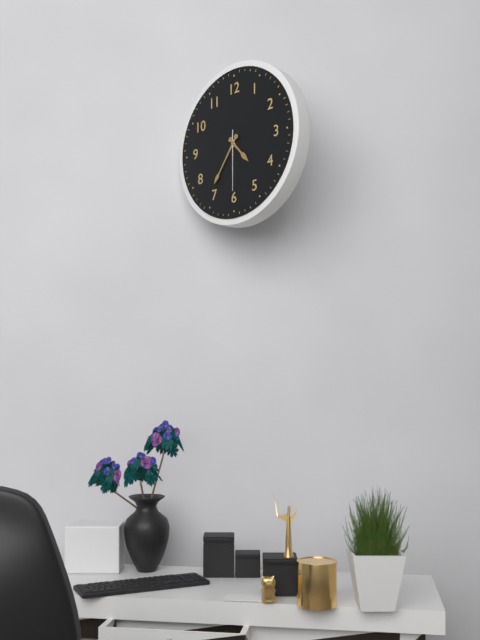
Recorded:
h=4 m=36 s=30
